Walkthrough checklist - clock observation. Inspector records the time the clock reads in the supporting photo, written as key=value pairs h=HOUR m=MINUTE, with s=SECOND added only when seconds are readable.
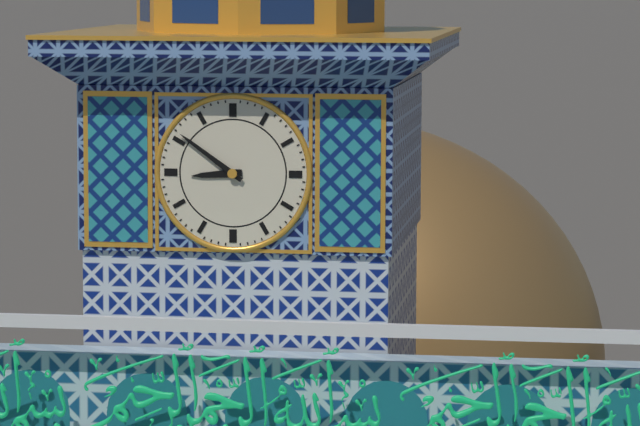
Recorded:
h=8 m=51
